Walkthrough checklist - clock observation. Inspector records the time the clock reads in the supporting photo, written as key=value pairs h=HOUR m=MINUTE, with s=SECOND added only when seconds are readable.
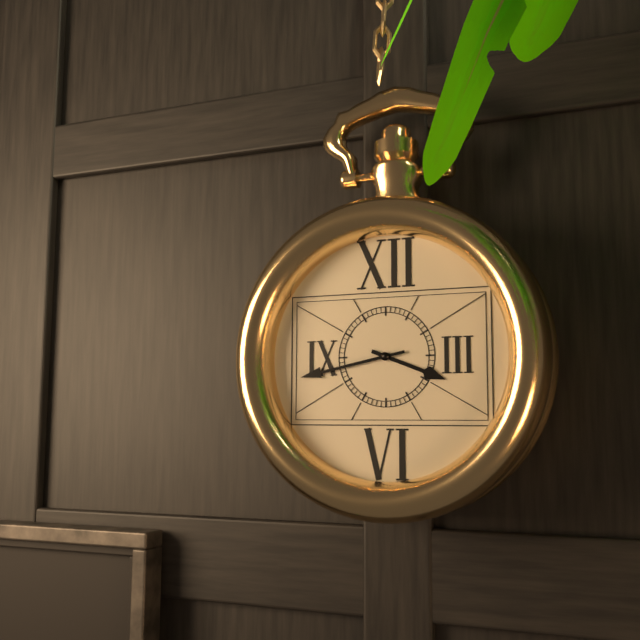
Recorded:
h=3 m=43
